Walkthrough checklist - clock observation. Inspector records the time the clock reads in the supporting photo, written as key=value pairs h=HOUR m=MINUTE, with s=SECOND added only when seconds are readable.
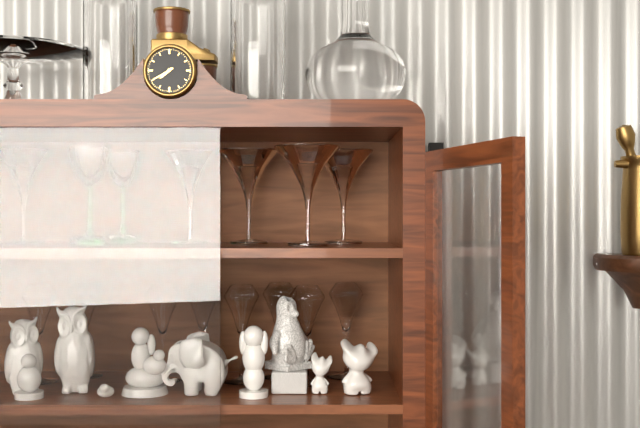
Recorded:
h=7 m=40
